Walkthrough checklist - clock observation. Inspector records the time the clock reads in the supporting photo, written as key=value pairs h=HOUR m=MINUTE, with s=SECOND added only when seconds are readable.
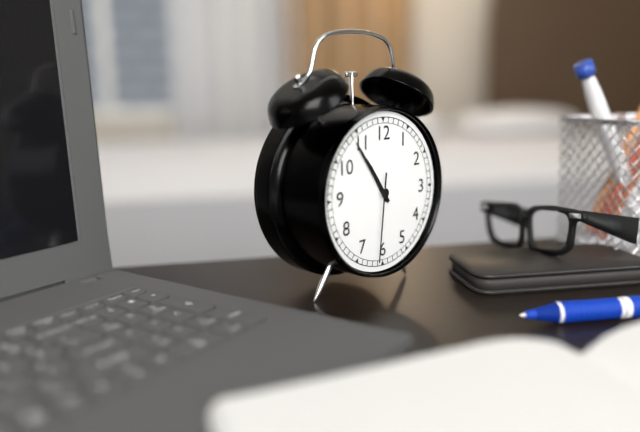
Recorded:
h=10 m=54 s=31
